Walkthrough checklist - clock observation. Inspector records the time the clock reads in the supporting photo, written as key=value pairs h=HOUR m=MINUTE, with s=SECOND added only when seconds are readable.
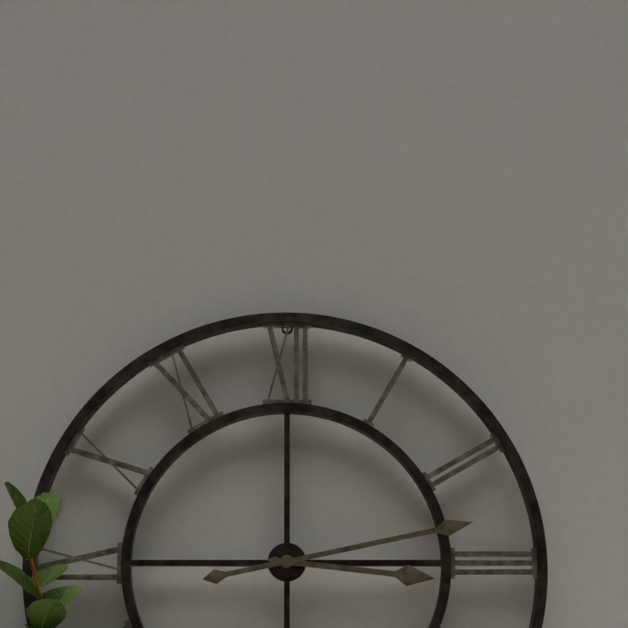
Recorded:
h=3 m=13
